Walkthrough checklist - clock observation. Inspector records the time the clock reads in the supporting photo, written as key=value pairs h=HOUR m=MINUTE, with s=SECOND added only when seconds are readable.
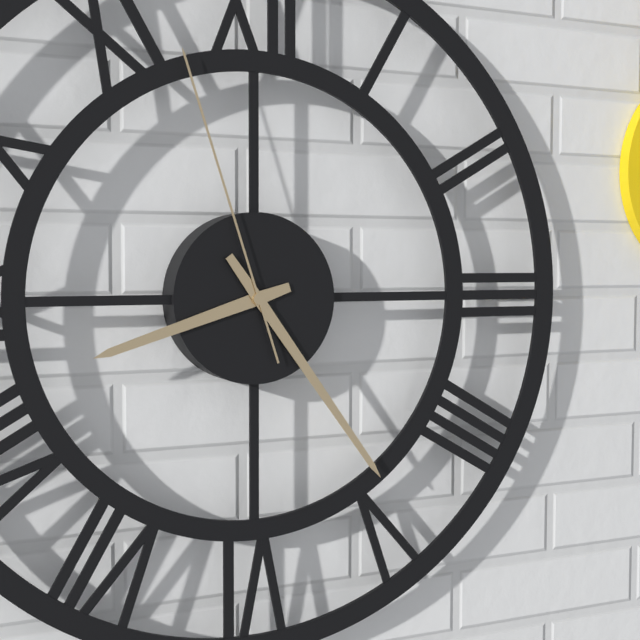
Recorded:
h=8 m=24 s=57
